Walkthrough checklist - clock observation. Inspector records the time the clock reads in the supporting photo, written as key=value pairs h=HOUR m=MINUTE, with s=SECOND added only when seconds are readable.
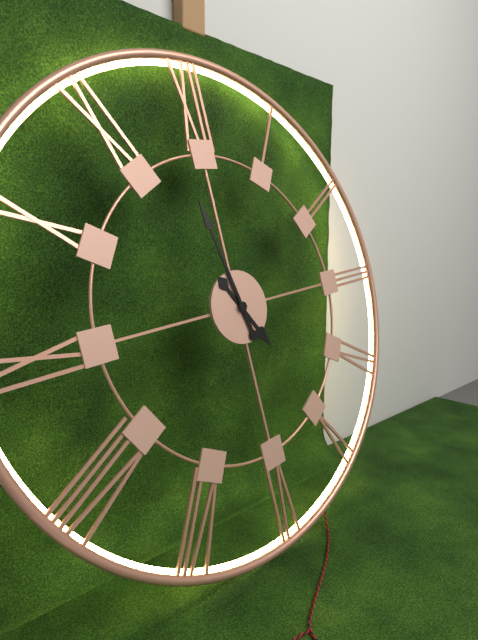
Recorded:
h=4 m=58
